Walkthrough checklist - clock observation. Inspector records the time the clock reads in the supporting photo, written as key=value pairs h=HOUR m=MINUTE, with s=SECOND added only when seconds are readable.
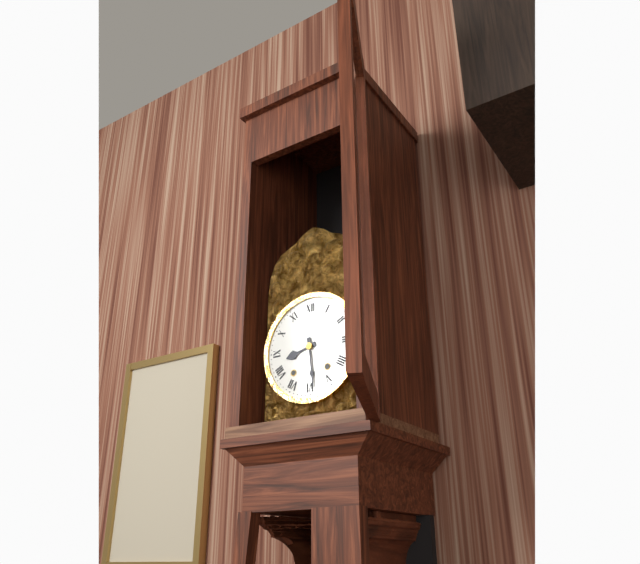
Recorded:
h=8 m=29
